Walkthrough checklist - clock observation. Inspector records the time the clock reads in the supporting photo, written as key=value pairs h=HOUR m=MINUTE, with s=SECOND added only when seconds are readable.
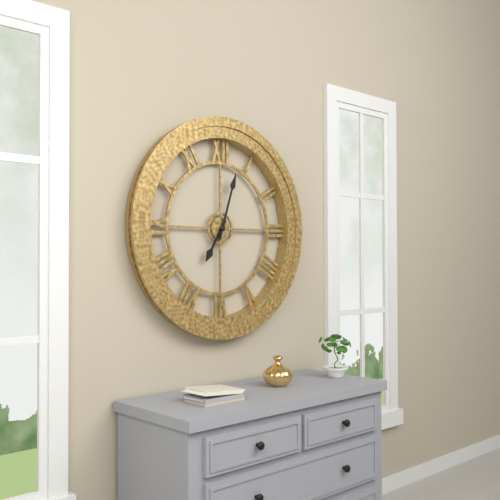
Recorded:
h=7 m=3
